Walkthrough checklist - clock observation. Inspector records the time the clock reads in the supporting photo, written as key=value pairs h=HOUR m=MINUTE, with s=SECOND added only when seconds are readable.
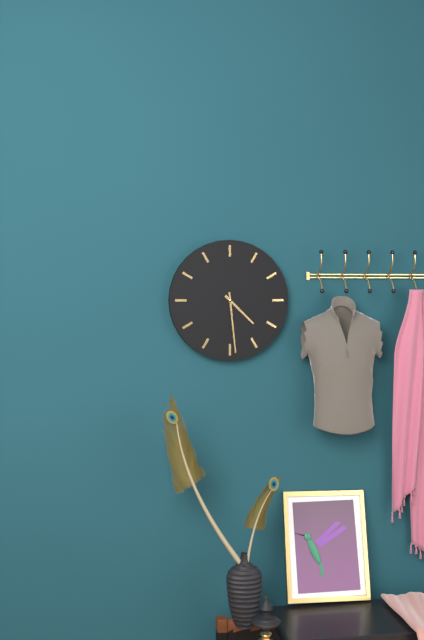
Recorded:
h=4 m=29
